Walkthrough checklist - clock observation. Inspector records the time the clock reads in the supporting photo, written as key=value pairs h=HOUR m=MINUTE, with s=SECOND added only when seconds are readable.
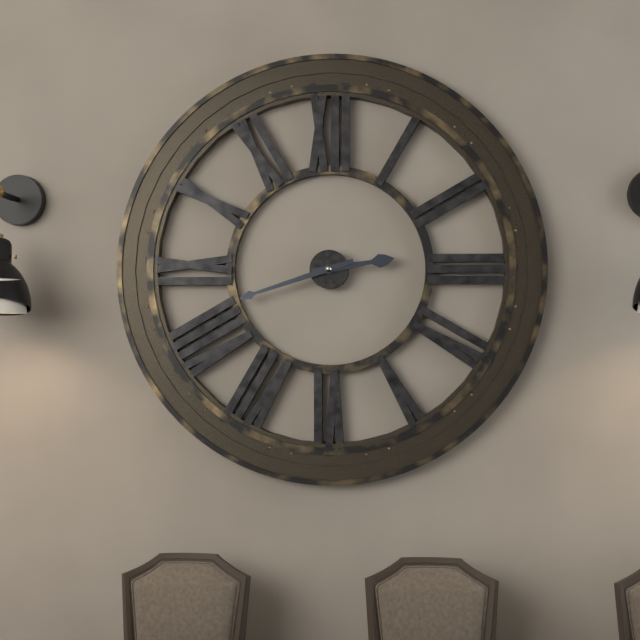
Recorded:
h=2 m=42
